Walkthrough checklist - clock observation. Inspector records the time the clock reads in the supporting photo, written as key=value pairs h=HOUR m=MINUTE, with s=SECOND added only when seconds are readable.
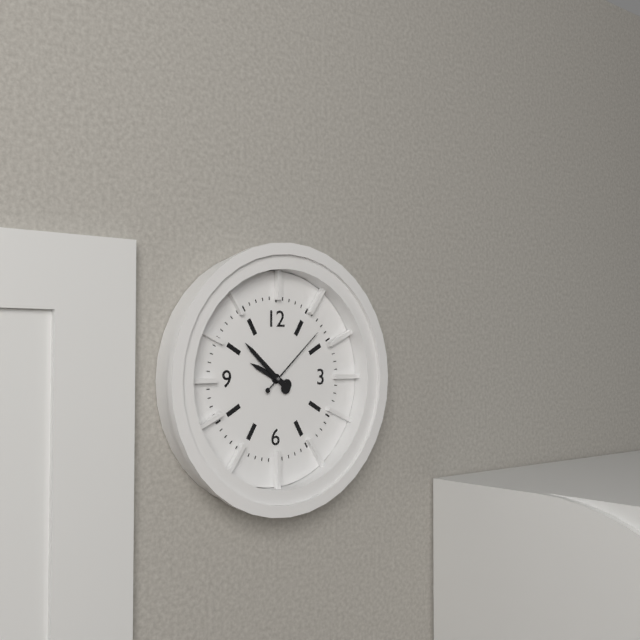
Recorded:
h=9 m=52 s=8
